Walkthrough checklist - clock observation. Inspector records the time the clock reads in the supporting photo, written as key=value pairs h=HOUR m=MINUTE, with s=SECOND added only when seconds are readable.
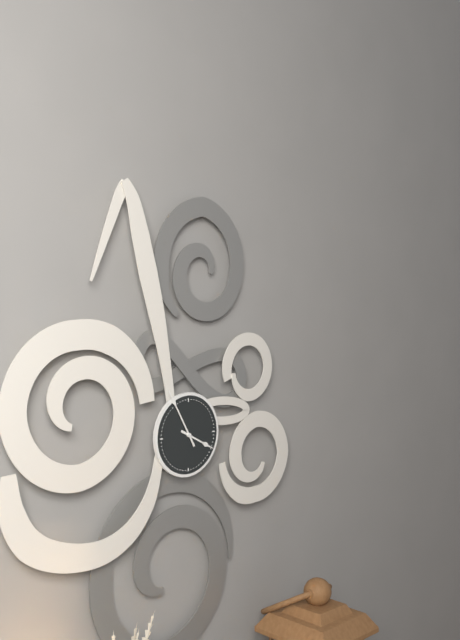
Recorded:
h=3 m=55
